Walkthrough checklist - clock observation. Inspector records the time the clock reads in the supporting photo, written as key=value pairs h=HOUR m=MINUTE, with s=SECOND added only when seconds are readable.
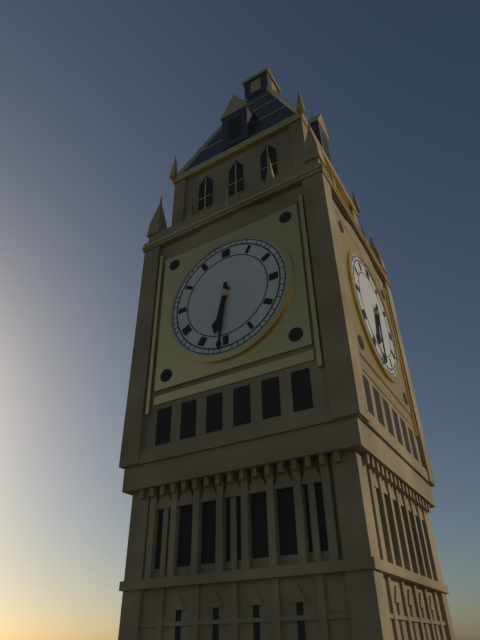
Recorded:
h=6 m=31
